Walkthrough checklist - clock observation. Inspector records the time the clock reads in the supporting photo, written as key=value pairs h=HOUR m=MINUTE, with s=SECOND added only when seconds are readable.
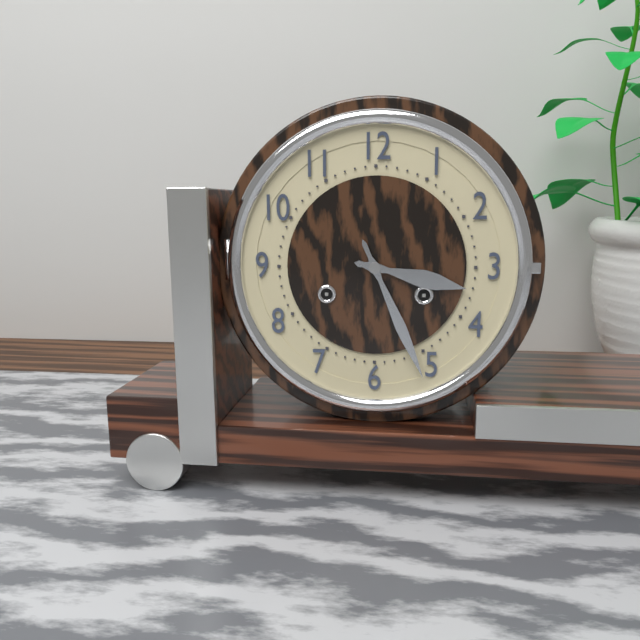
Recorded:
h=3 m=26
